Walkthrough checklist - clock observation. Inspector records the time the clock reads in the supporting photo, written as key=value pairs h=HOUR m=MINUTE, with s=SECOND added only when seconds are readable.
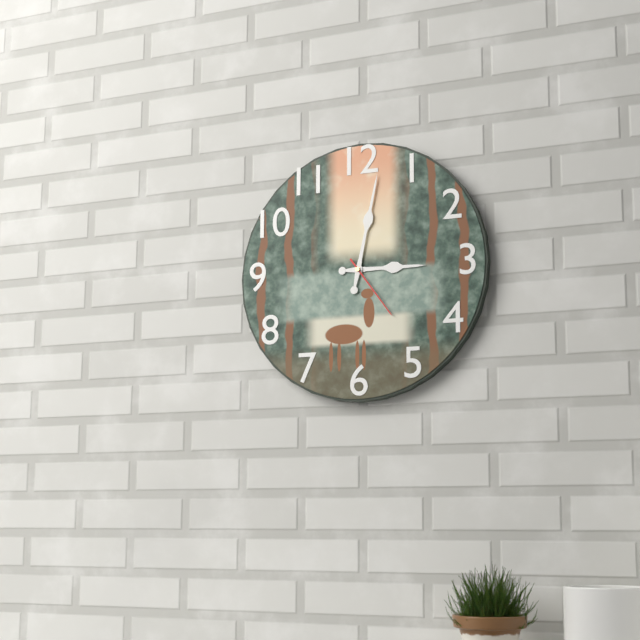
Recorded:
h=3 m=2 s=24
